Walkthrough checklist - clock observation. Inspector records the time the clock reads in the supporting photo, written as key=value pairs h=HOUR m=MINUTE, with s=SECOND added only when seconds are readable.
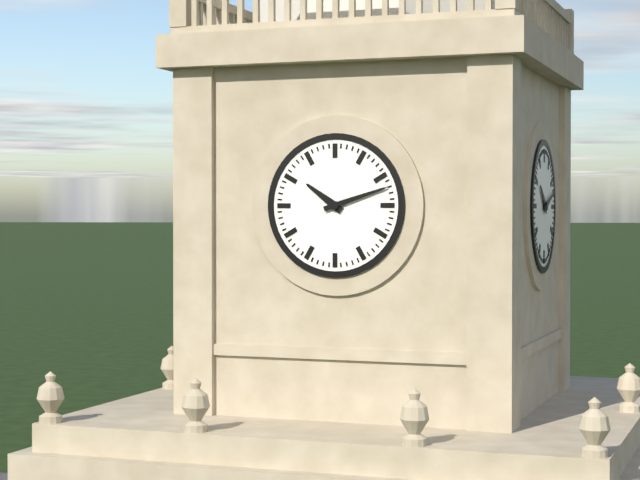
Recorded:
h=10 m=12
